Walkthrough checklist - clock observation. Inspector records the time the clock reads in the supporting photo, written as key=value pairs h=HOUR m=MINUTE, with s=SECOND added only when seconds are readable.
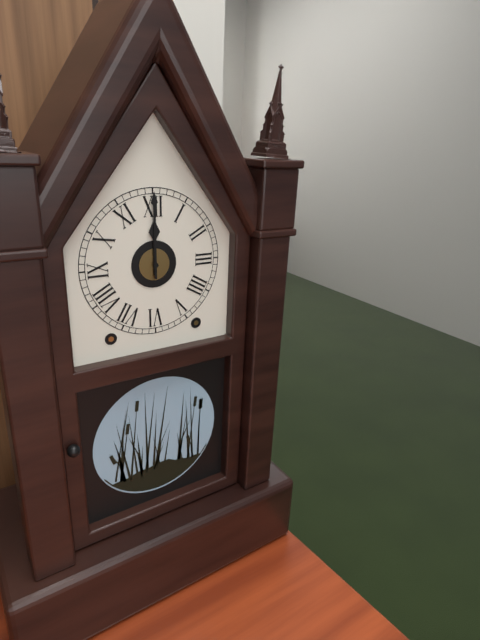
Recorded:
h=12 m=0
